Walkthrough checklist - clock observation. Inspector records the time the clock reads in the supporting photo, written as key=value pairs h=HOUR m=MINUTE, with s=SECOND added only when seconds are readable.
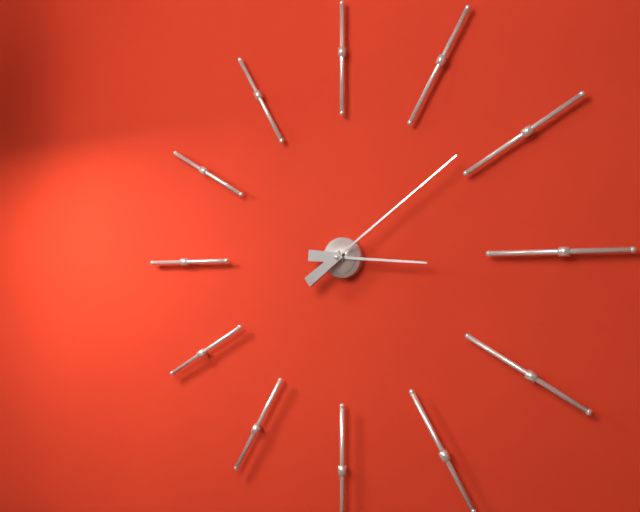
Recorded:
h=3 m=9
